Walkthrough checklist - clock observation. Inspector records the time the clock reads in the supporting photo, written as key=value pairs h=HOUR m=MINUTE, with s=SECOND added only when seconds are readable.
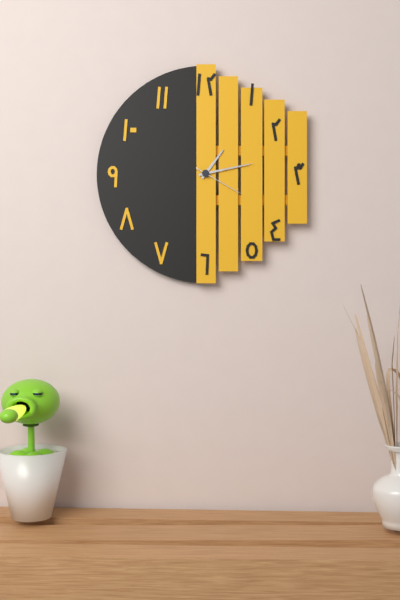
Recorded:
h=1 m=13 s=20
